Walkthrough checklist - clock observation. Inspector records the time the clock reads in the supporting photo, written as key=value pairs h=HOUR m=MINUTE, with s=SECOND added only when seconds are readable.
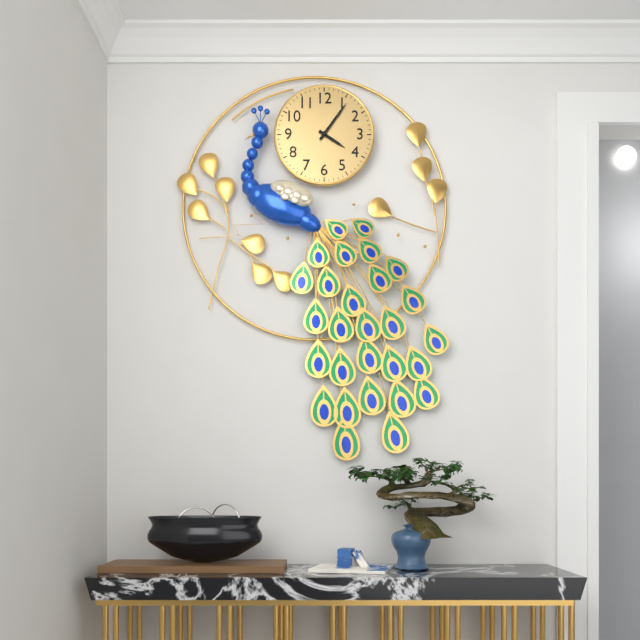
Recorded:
h=4 m=6
